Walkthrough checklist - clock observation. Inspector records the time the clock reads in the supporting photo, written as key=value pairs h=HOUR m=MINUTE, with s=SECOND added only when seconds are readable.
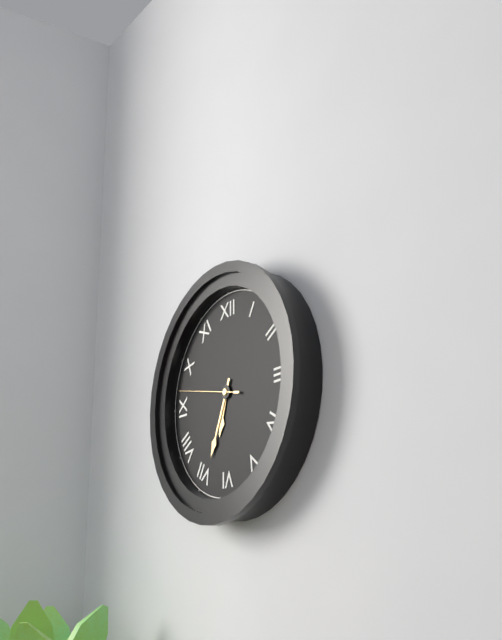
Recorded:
h=6 m=34 s=47
